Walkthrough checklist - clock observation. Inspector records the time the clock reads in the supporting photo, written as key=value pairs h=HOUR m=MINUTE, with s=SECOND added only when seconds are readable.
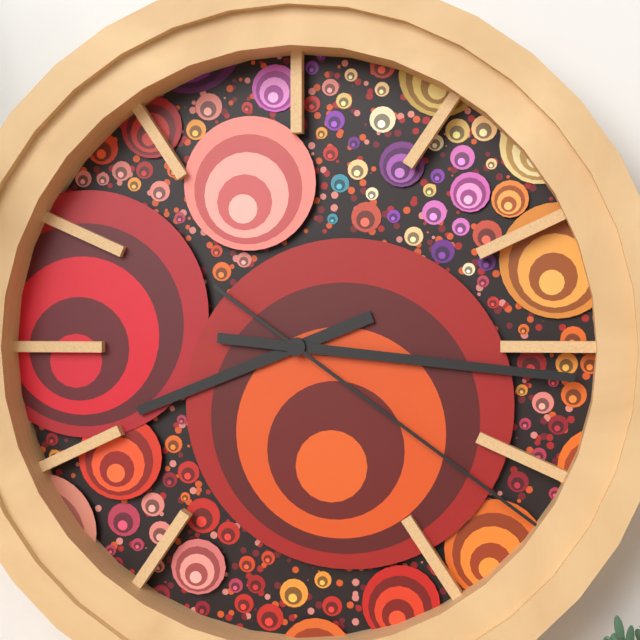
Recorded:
h=8 m=16 s=21
